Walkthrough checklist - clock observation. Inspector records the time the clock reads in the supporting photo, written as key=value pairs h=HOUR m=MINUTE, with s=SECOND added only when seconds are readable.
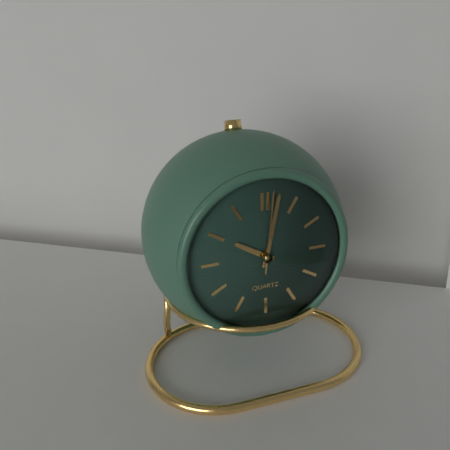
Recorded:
h=10 m=2 s=1
